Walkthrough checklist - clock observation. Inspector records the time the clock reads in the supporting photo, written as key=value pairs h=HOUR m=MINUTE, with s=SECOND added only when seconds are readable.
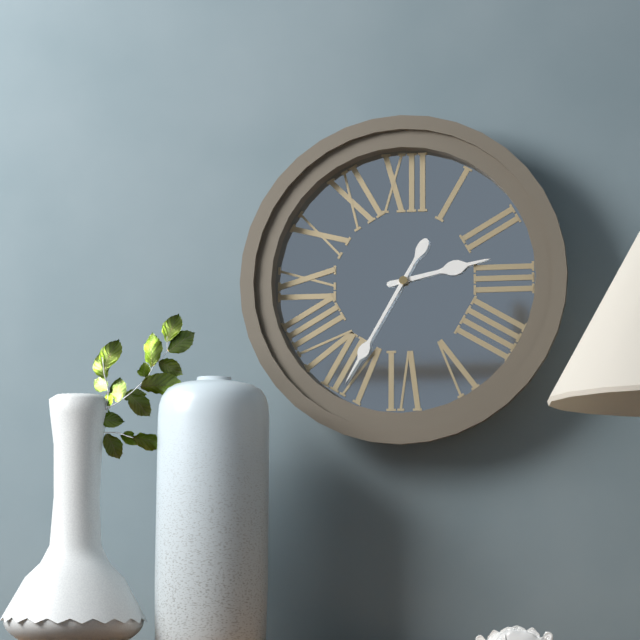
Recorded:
h=2 m=35
